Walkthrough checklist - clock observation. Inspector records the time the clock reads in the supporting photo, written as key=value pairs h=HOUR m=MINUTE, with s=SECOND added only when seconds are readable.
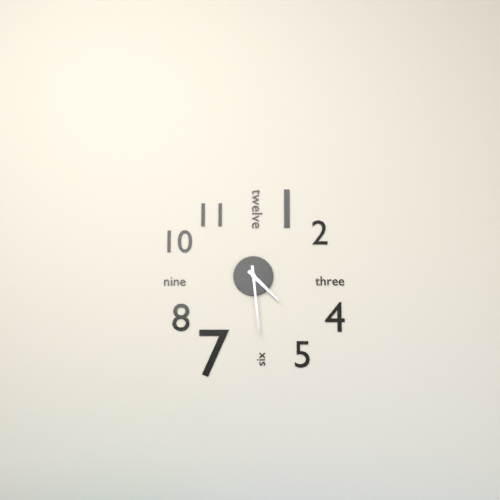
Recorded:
h=4 m=29
